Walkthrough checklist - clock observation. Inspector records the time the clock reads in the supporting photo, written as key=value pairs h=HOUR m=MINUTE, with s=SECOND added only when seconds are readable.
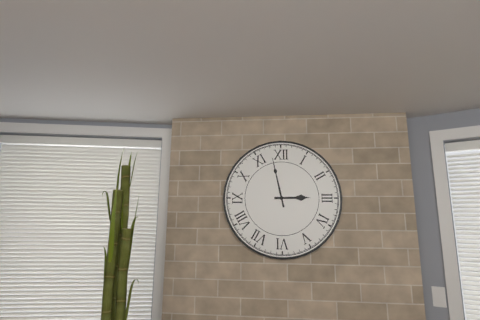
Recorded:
h=2 m=58
